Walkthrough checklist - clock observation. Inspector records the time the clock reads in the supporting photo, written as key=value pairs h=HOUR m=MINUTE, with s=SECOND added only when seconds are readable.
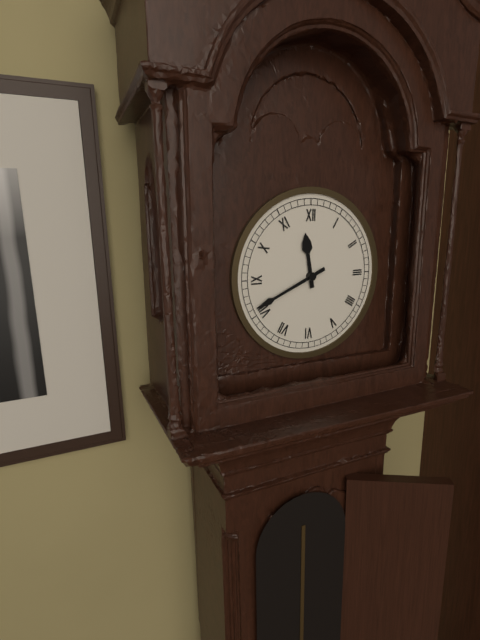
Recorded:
h=11 m=41
